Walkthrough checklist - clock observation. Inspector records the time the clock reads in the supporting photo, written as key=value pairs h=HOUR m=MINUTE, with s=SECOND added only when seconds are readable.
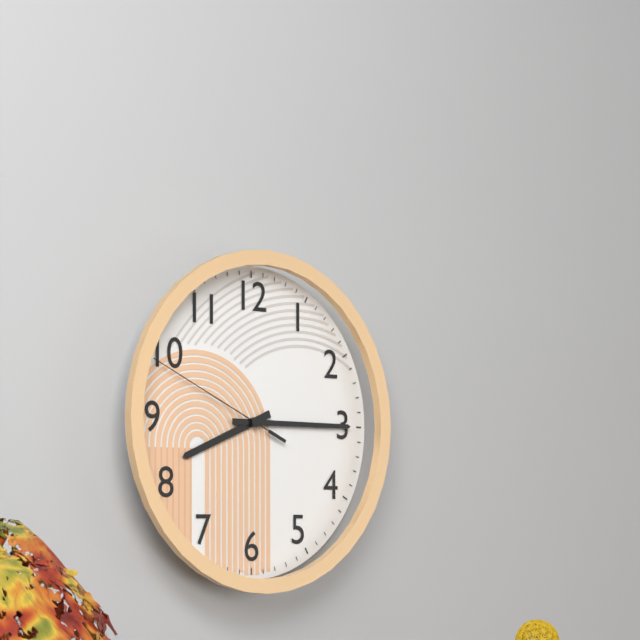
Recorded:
h=8 m=15 s=49
